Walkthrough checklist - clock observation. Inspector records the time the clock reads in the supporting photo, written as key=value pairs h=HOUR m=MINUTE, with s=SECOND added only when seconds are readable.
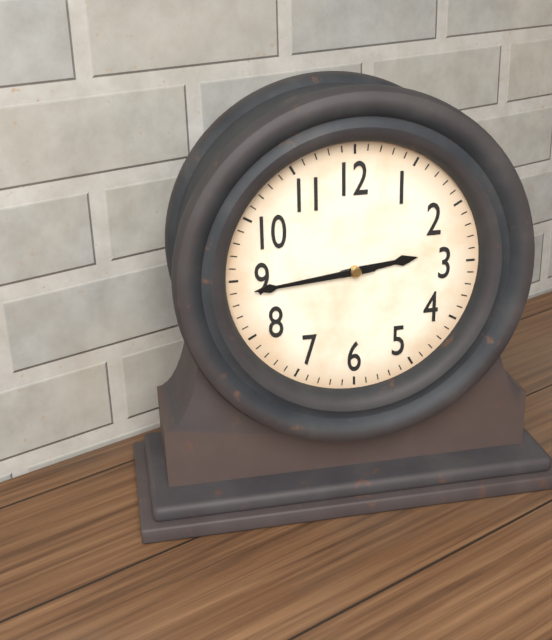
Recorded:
h=2 m=44
